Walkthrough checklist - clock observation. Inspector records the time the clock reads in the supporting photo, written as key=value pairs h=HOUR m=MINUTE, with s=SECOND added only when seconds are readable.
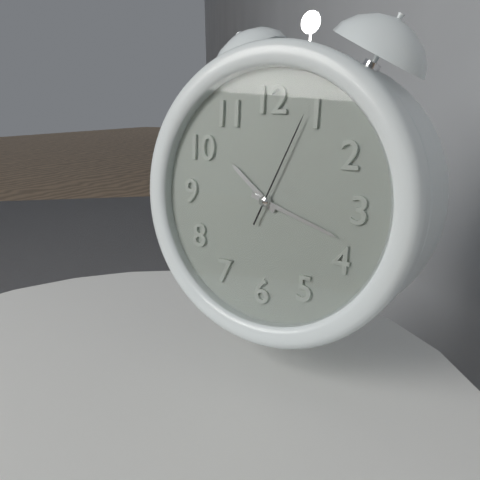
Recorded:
h=10 m=18 s=4
